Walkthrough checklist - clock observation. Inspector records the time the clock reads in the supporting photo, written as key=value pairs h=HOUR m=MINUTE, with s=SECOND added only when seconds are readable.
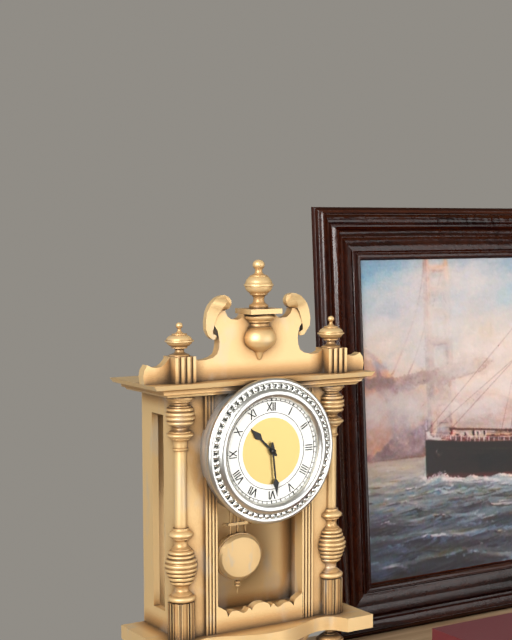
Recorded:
h=10 m=29
